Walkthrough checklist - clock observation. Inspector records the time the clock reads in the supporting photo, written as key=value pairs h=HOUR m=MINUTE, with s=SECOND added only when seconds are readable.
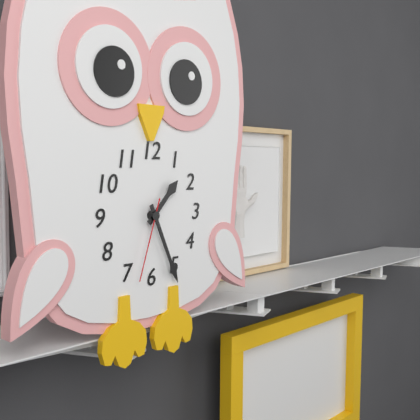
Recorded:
h=1 m=26 s=33
